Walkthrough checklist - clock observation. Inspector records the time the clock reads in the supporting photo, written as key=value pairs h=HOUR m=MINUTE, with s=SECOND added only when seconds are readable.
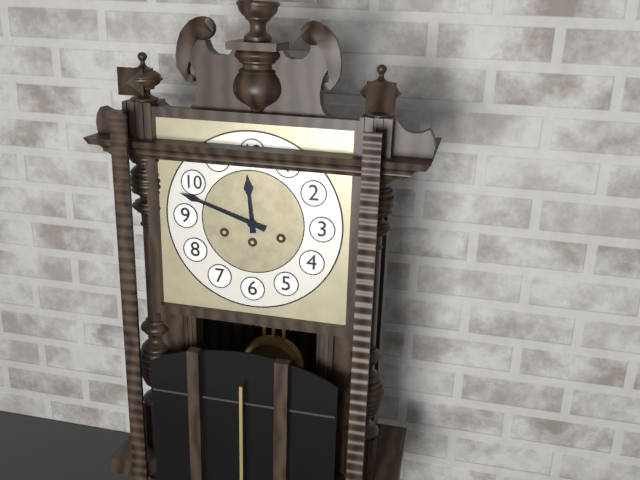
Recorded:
h=11 m=48
